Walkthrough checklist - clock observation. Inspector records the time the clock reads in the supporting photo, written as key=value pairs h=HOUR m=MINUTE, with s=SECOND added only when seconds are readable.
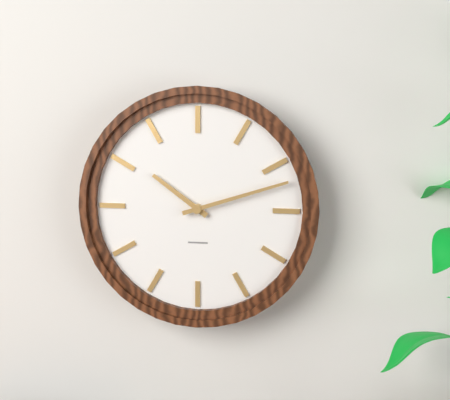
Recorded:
h=10 m=12
